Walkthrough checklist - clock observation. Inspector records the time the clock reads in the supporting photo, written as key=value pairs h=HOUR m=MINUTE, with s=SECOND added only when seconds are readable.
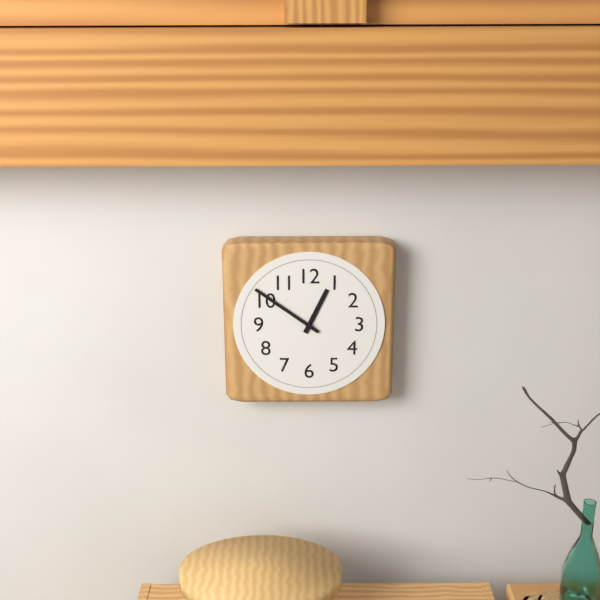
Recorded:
h=12 m=51
